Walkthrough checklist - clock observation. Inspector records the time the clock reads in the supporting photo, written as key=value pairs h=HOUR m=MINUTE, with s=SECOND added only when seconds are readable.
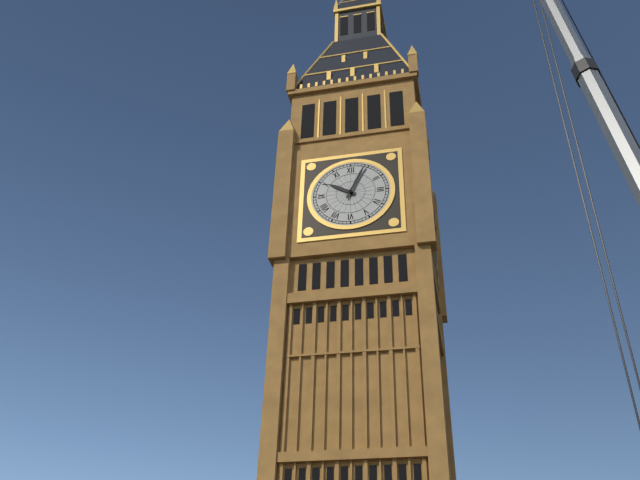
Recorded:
h=10 m=4
